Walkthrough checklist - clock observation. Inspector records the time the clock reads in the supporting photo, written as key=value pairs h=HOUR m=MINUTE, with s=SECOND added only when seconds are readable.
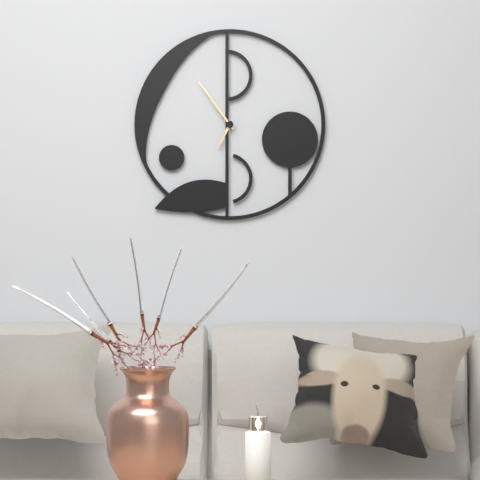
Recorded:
h=6 m=54
